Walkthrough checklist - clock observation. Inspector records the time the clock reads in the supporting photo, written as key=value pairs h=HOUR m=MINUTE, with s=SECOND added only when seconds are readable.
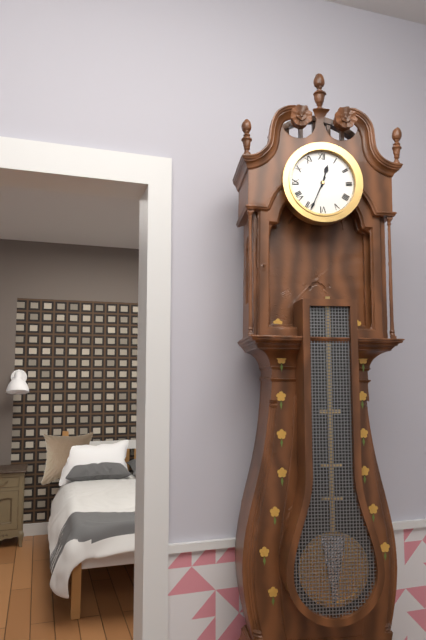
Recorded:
h=12 m=34
